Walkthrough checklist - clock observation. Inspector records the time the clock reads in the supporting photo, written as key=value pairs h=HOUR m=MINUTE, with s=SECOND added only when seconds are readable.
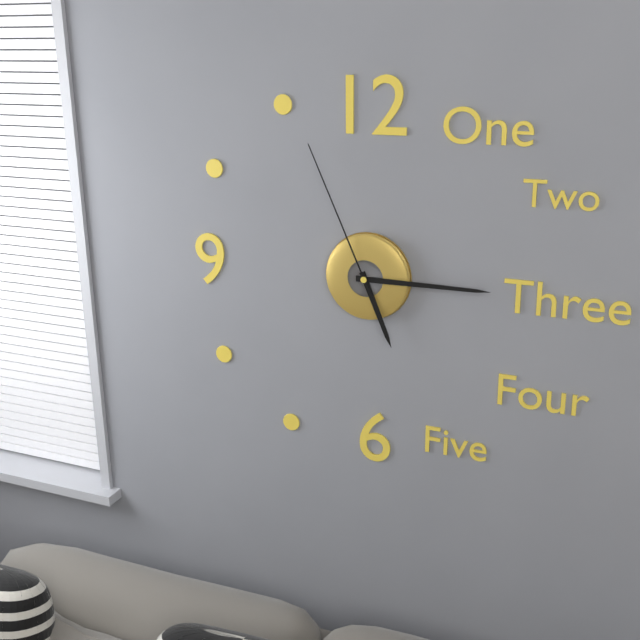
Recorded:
h=5 m=15 s=56
